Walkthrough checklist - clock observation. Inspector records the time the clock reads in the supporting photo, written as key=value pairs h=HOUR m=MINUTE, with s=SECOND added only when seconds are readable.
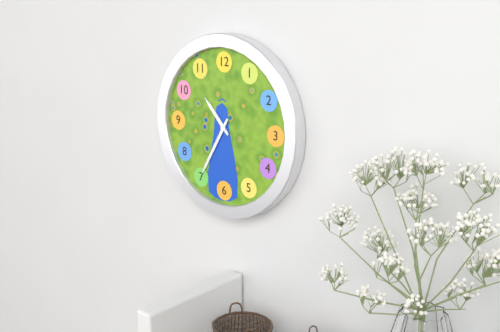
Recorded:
h=10 m=35
